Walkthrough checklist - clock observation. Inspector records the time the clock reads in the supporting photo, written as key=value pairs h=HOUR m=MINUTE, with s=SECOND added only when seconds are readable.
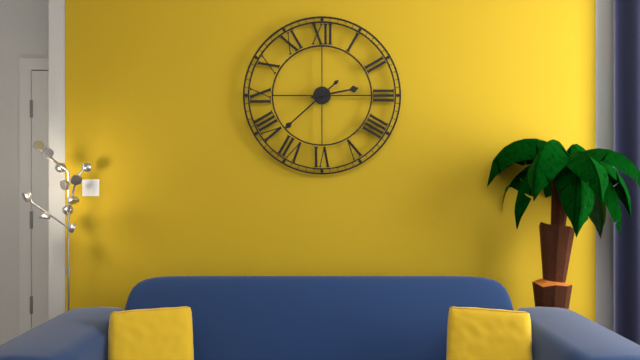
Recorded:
h=2 m=38
